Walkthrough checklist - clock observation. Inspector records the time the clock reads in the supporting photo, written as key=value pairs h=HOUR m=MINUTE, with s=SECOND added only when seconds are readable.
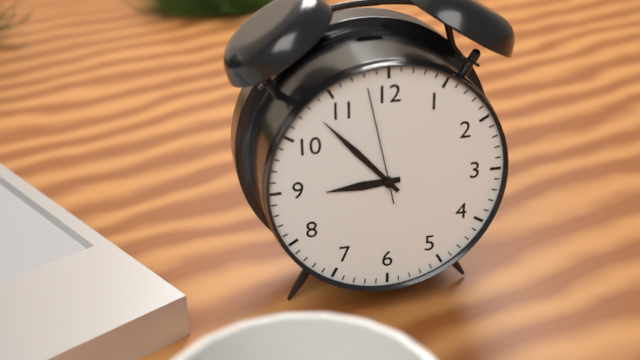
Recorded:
h=8 m=53 s=58
